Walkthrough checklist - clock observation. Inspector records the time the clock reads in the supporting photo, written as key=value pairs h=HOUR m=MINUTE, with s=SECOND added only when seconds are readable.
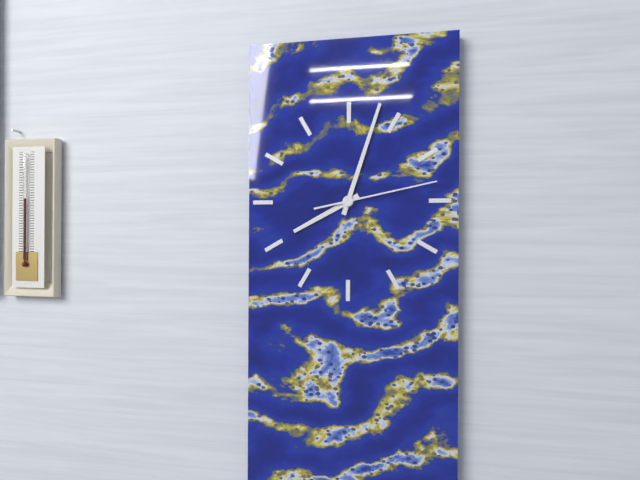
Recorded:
h=8 m=3 s=13
